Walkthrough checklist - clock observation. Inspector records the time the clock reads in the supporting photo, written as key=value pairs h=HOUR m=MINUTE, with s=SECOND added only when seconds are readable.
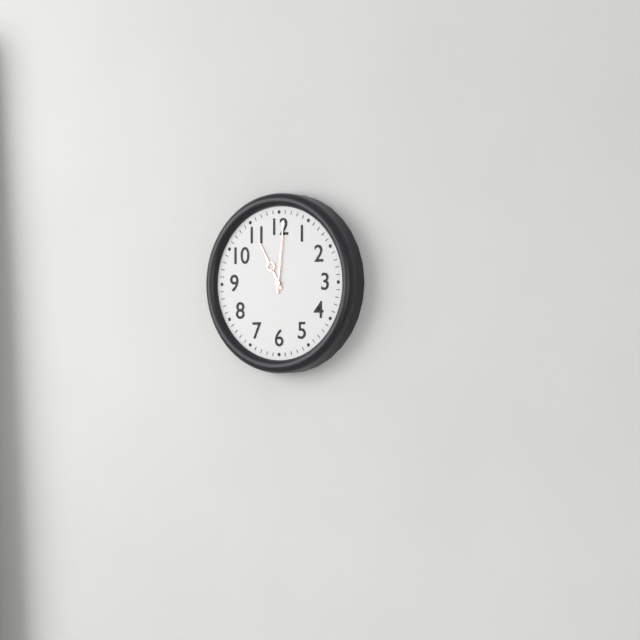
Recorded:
h=11 m=1
